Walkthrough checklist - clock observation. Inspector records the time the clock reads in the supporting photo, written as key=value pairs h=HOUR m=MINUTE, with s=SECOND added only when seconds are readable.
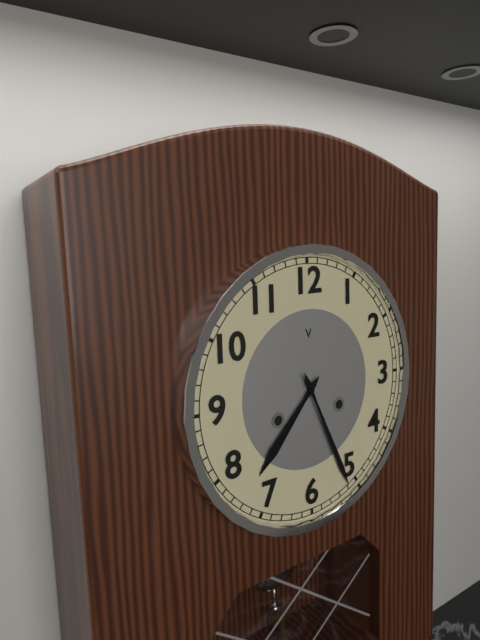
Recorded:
h=7 m=26
